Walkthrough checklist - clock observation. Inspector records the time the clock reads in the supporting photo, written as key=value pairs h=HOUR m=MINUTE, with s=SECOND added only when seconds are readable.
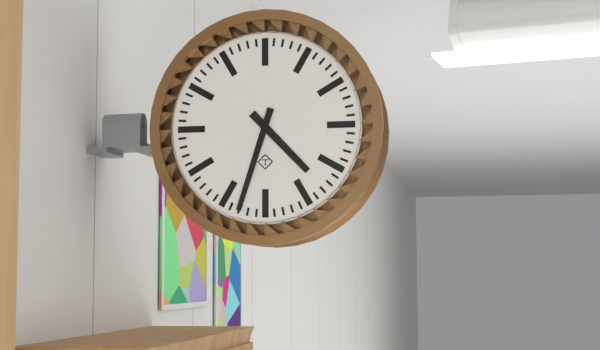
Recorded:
h=4 m=33
